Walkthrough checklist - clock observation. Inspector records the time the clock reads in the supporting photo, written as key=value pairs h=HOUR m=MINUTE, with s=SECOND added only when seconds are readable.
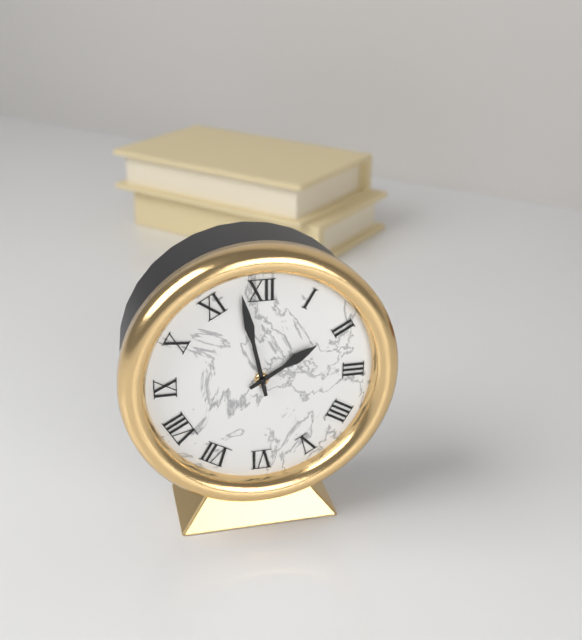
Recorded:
h=1 m=58
